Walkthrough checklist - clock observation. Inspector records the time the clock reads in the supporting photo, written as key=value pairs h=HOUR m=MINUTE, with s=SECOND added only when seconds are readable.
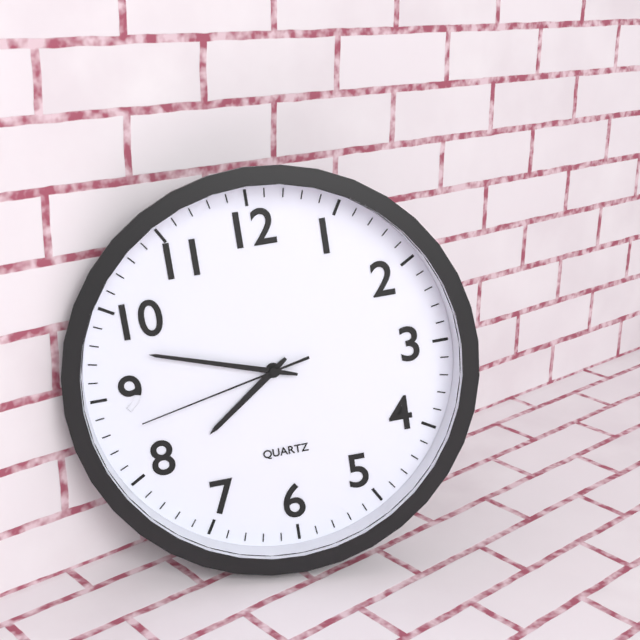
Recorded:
h=7 m=48 s=43
